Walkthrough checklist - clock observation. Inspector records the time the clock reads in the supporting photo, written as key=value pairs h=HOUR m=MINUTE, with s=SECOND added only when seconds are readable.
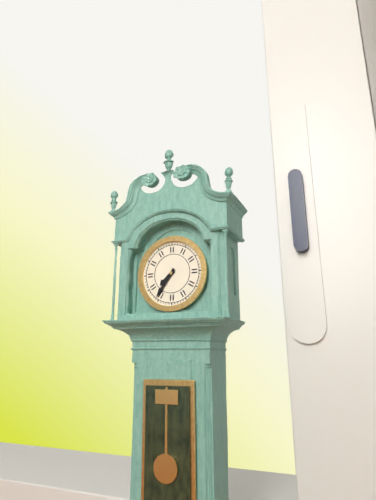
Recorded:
h=7 m=36
